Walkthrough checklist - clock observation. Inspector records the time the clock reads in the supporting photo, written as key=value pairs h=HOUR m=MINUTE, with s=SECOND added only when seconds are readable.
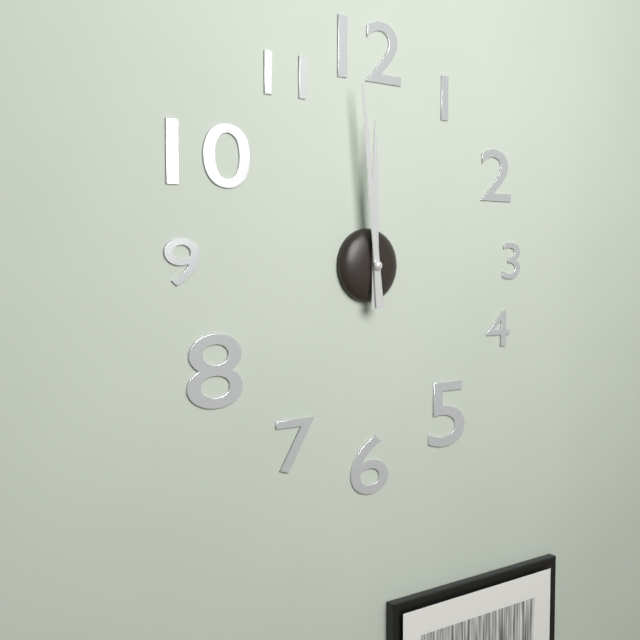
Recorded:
h=11 m=59
